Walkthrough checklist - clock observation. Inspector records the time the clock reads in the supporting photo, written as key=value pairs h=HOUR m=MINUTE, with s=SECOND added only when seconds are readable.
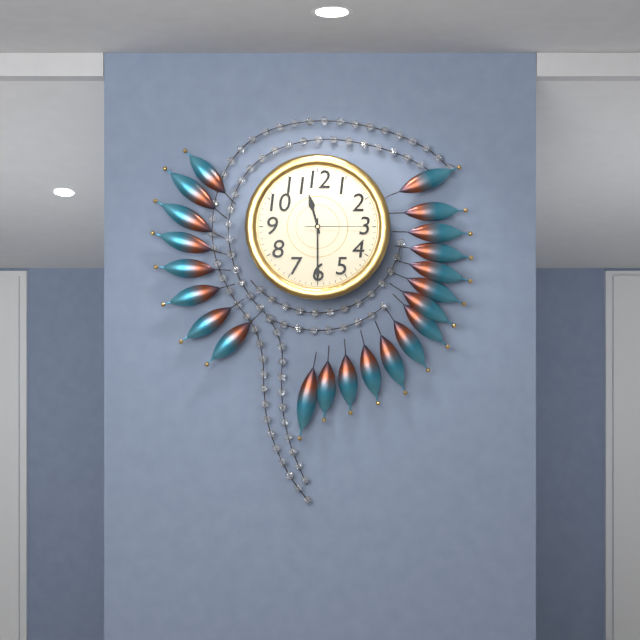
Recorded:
h=11 m=30 s=15
